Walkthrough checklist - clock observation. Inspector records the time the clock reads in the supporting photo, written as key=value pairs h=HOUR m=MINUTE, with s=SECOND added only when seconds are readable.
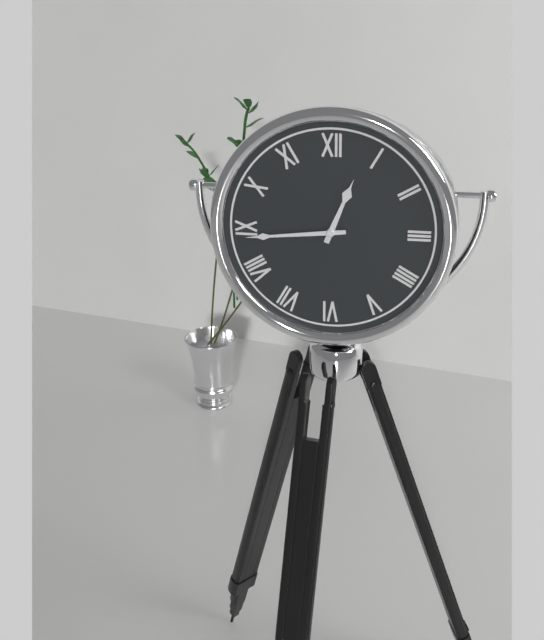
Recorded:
h=12 m=44
